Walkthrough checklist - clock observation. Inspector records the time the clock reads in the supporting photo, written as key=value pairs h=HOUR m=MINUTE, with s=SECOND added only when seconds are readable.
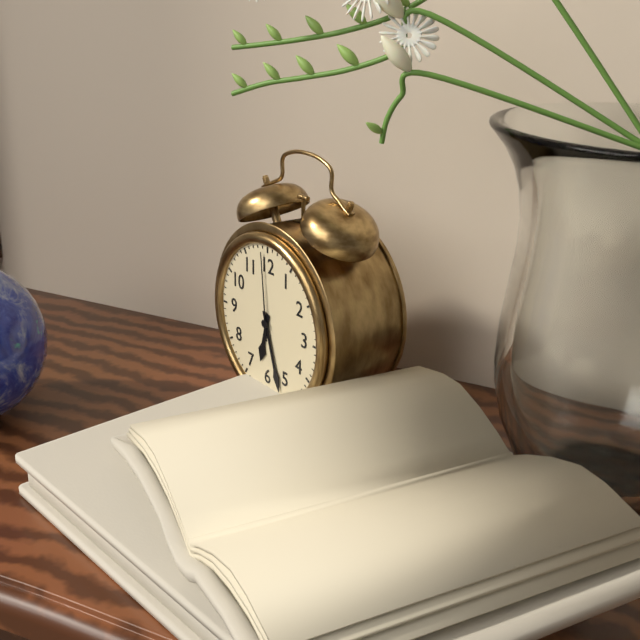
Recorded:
h=6 m=27 s=59
